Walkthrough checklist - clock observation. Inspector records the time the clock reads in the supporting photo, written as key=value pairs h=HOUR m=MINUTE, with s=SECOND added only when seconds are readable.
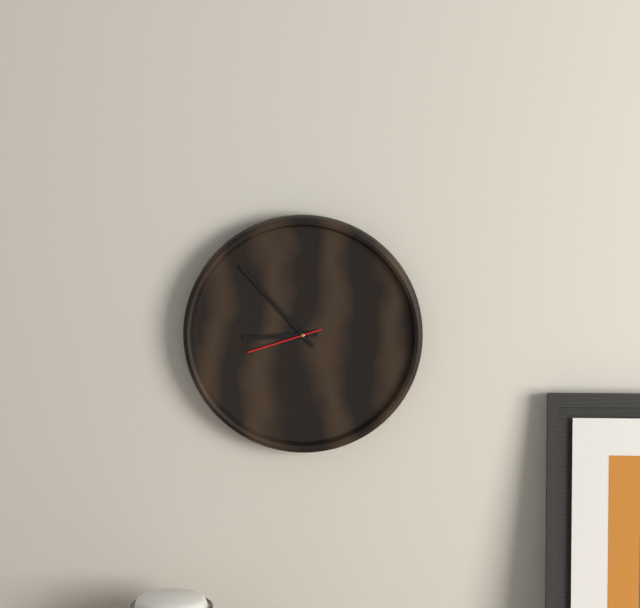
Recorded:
h=8 m=53 s=42
